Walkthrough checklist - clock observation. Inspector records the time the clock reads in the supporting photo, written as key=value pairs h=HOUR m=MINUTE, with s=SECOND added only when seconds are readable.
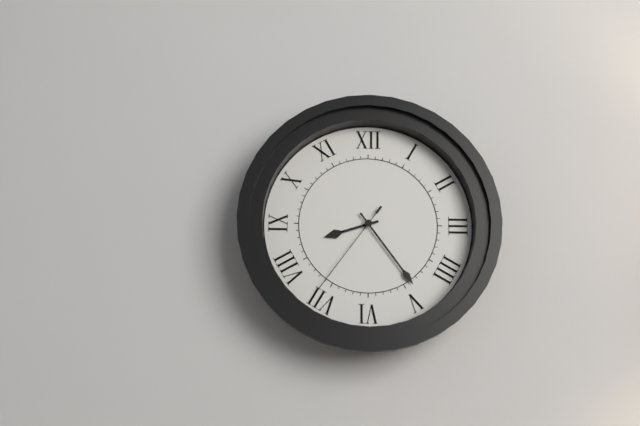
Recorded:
h=8 m=24 s=36
